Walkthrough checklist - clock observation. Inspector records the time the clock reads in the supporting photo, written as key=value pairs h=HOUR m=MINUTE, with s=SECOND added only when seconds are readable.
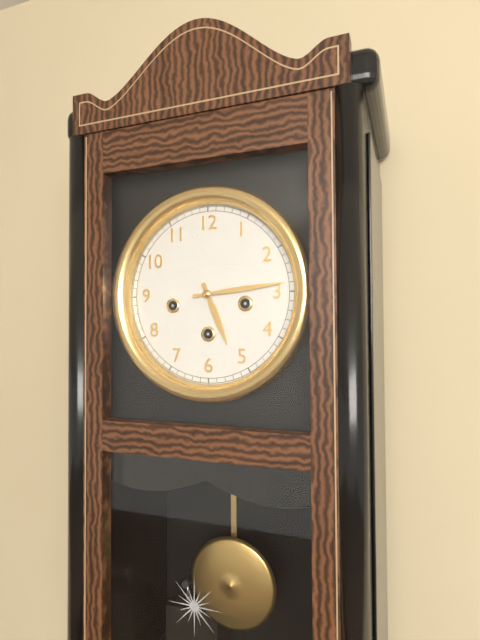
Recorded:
h=5 m=14
